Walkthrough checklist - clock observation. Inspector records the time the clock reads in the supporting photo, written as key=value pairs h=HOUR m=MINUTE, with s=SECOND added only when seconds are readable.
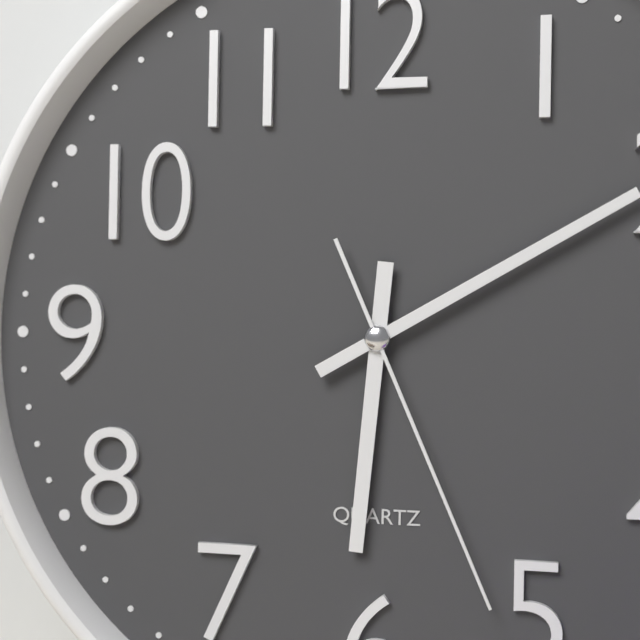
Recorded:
h=6 m=10 s=26
